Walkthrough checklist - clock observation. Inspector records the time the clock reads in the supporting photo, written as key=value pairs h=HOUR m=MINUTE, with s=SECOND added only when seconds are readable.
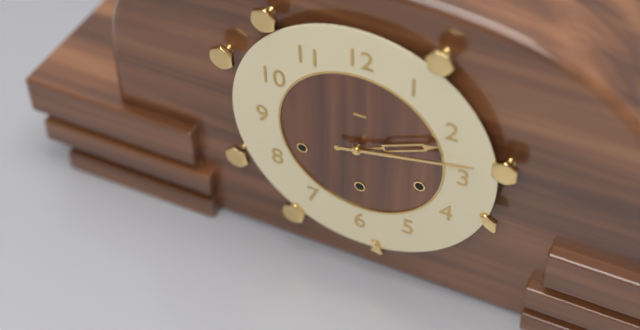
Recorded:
h=2 m=13
